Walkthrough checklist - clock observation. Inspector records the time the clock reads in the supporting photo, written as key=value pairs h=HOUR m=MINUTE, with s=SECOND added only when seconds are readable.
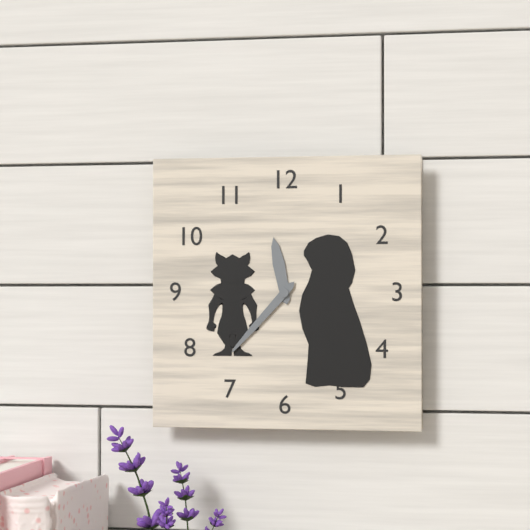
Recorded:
h=11 m=37
